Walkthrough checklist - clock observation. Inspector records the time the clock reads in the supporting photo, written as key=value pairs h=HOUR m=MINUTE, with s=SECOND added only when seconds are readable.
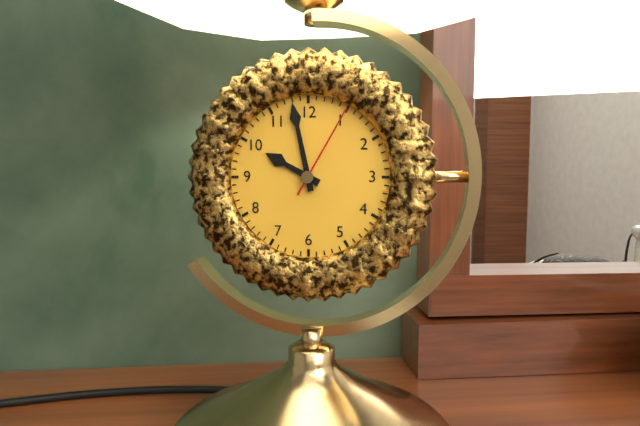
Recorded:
h=9 m=58 s=5
